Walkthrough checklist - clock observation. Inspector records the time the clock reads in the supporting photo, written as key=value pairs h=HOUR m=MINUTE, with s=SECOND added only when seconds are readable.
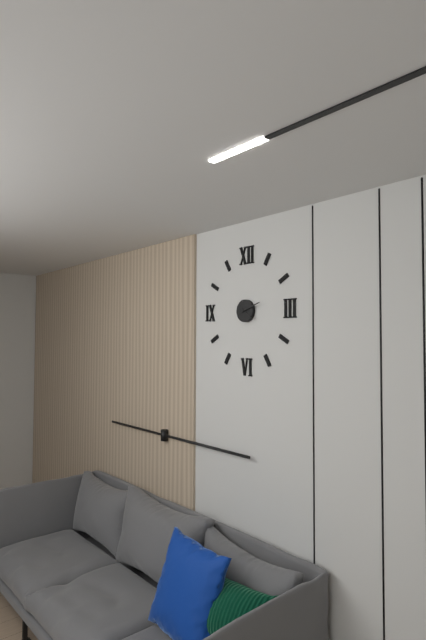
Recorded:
h=4 m=12
